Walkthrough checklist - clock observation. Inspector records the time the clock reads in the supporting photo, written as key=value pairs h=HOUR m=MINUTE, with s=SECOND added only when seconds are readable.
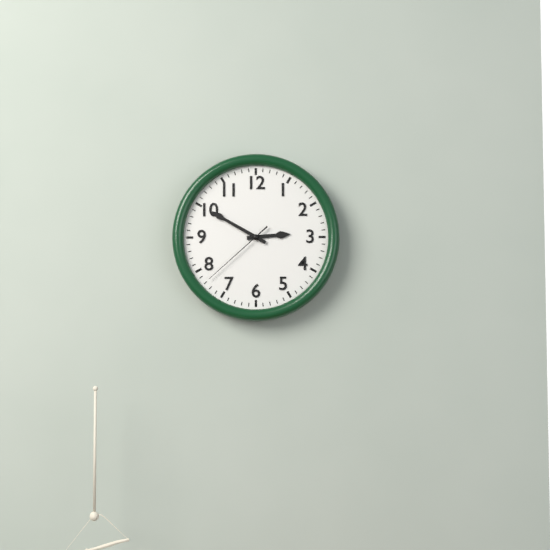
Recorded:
h=2 m=50 s=38
